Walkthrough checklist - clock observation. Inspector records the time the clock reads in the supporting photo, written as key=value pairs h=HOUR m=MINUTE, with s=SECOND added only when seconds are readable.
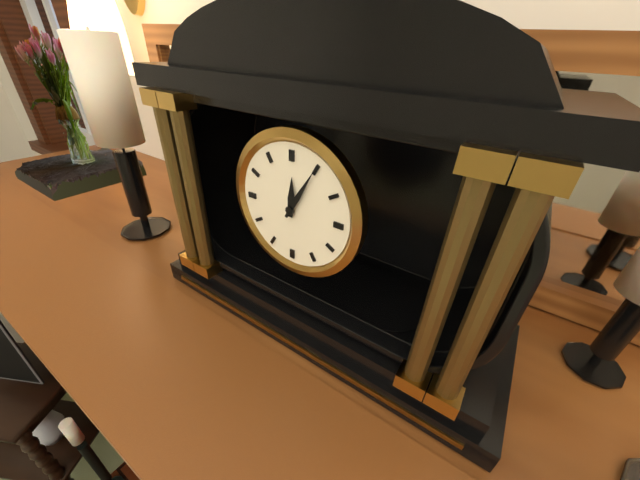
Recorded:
h=12 m=5
